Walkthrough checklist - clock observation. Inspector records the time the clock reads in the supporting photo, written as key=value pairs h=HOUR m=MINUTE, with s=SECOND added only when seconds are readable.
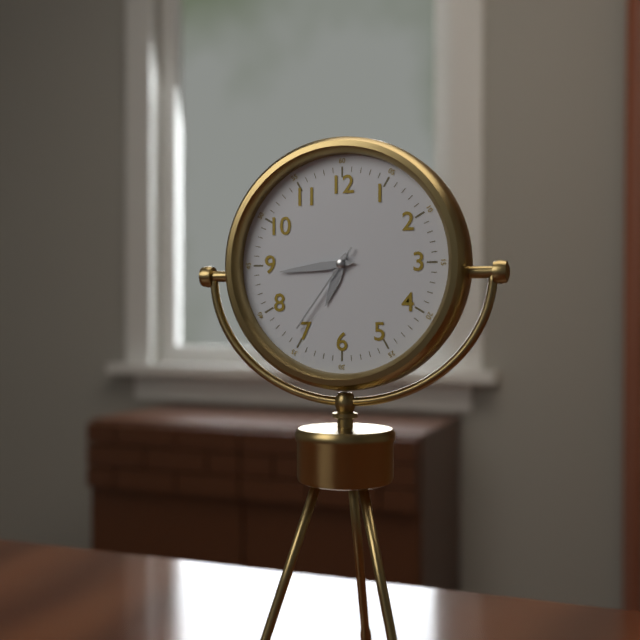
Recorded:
h=6 m=44 s=36
